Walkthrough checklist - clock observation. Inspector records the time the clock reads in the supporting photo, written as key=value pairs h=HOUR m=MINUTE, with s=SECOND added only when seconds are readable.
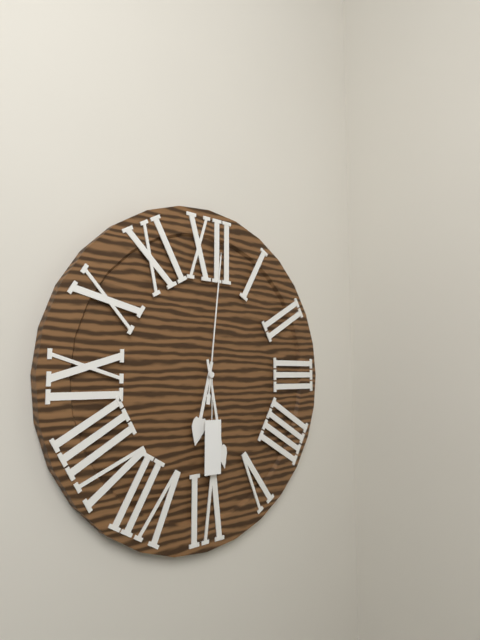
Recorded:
h=6 m=28 s=1
